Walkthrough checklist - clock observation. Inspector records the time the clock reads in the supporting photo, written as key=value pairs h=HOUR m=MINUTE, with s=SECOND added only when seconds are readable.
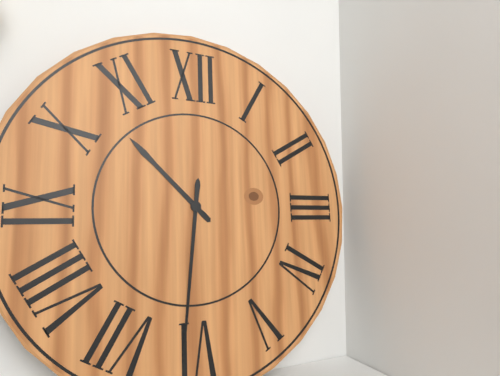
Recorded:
h=10 m=31
